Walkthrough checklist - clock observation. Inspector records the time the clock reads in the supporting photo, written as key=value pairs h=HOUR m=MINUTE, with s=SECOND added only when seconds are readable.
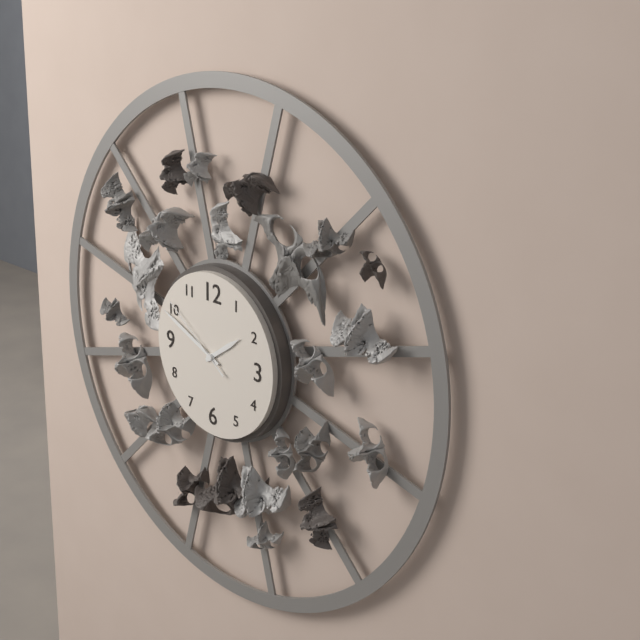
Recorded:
h=1 m=49 s=51
